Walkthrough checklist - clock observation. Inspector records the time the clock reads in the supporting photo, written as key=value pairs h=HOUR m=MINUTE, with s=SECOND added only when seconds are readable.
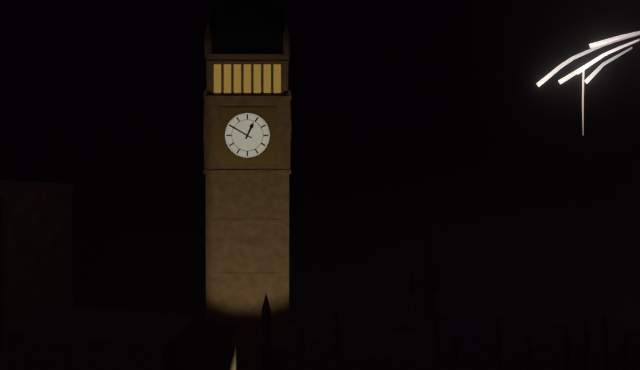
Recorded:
h=12 m=50
